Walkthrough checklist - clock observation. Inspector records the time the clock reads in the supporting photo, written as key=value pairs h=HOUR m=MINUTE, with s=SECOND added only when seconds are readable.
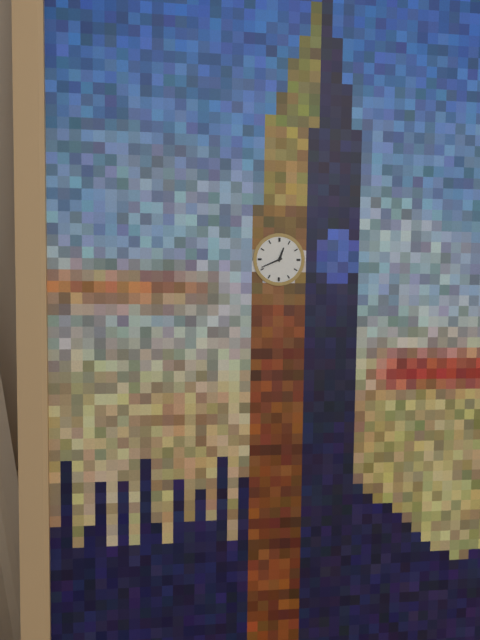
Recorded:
h=12 m=41
